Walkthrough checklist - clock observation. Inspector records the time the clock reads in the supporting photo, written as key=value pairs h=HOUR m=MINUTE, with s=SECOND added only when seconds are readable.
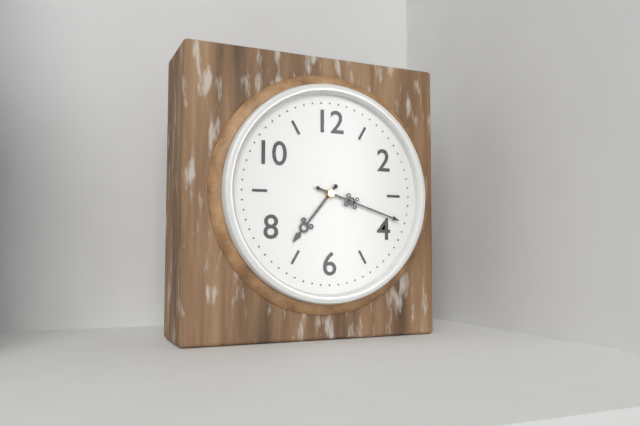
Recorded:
h=7 m=18
